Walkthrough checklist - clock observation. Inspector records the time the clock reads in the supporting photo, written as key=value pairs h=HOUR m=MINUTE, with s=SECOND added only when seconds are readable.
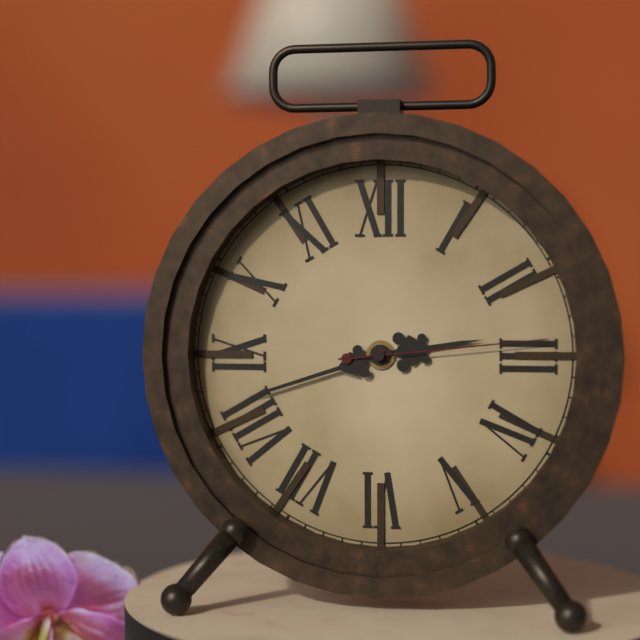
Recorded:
h=2 m=42 s=14
